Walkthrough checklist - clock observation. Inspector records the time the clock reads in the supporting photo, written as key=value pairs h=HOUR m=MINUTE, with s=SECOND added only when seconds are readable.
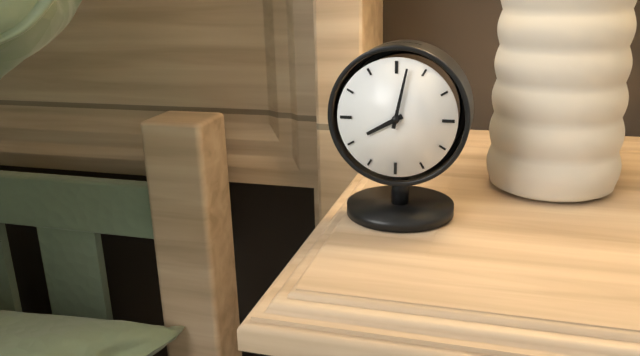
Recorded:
h=8 m=2
